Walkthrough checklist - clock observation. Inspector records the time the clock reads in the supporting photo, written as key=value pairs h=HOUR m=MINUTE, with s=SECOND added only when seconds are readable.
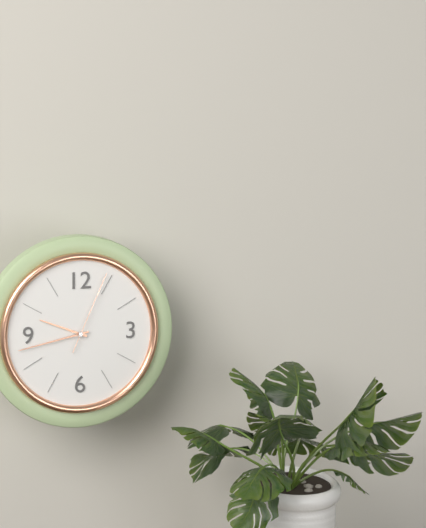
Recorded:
h=9 m=43 s=4
